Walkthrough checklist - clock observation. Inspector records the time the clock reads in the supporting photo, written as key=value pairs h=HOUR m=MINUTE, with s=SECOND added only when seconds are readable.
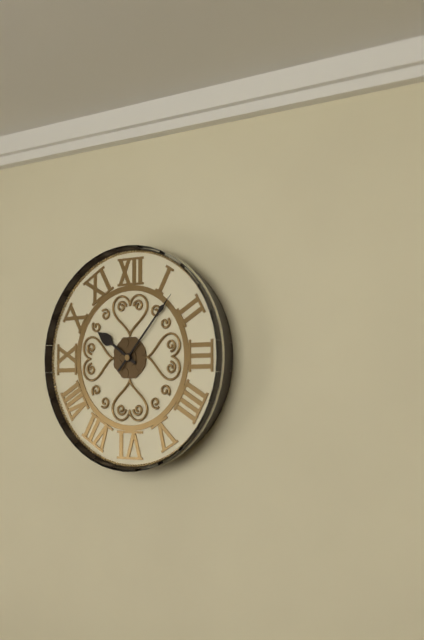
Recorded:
h=10 m=7
